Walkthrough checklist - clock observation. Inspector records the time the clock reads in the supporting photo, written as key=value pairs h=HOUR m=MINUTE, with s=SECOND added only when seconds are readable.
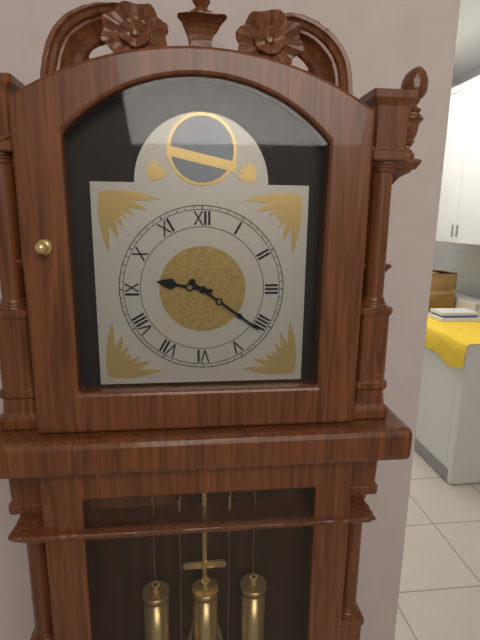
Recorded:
h=9 m=21
